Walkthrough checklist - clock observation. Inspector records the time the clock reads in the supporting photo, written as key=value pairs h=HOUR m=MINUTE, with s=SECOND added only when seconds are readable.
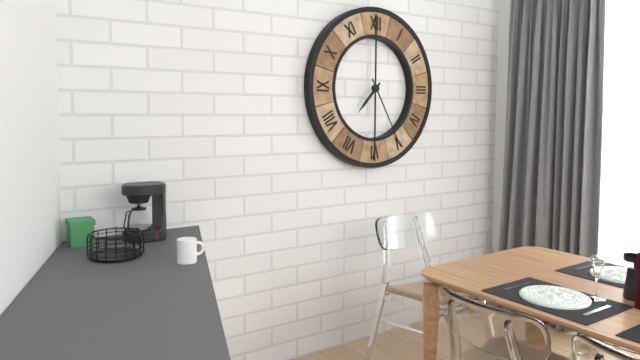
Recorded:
h=7 m=25
